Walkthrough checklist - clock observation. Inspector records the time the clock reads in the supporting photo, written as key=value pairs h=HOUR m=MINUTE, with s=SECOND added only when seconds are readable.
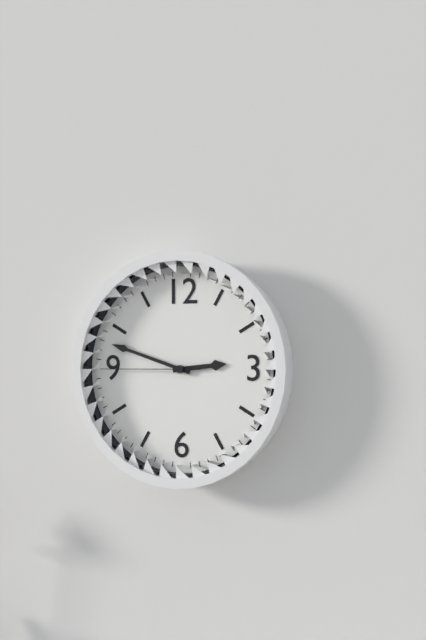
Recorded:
h=2 m=48 s=45
